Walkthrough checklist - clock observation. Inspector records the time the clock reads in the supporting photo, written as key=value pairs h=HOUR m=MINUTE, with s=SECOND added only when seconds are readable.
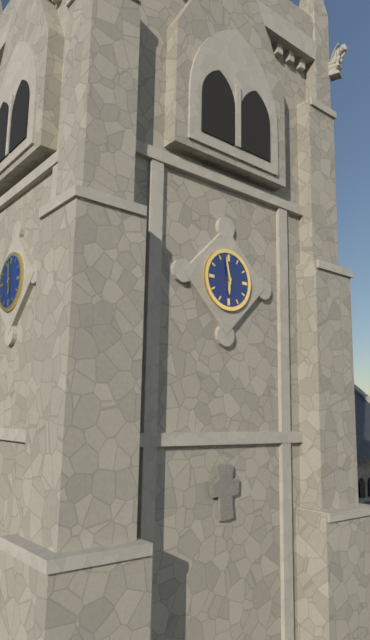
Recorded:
h=5 m=58
